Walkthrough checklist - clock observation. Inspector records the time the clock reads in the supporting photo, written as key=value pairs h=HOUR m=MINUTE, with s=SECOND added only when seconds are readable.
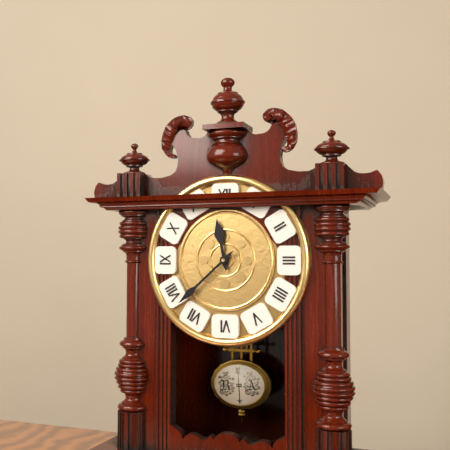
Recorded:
h=11 m=38
